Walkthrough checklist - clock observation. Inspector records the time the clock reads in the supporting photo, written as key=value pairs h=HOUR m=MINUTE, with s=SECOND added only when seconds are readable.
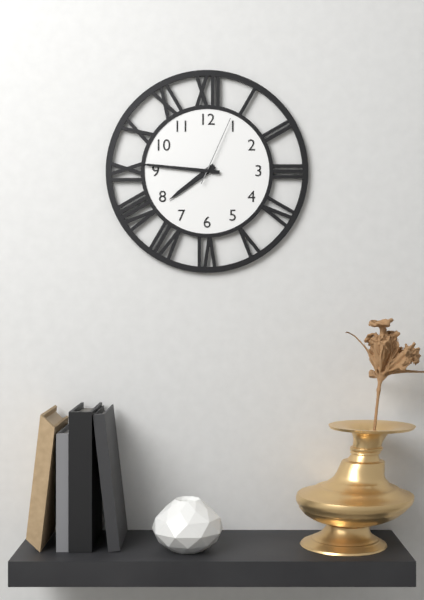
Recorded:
h=7 m=46 s=4
